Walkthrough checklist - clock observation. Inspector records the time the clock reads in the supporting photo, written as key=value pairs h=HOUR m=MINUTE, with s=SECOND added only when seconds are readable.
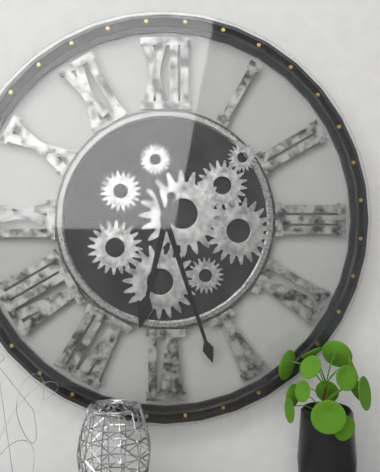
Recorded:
h=6 m=27
